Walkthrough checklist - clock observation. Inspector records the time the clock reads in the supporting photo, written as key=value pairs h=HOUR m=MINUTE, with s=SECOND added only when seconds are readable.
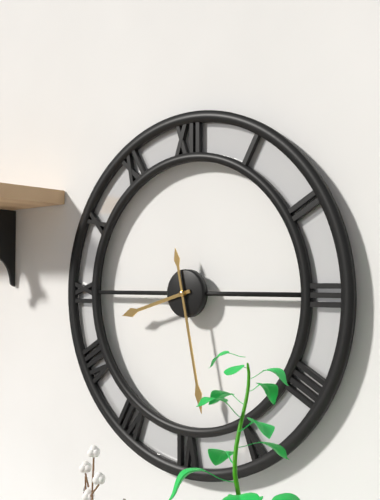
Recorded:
h=8 m=28
